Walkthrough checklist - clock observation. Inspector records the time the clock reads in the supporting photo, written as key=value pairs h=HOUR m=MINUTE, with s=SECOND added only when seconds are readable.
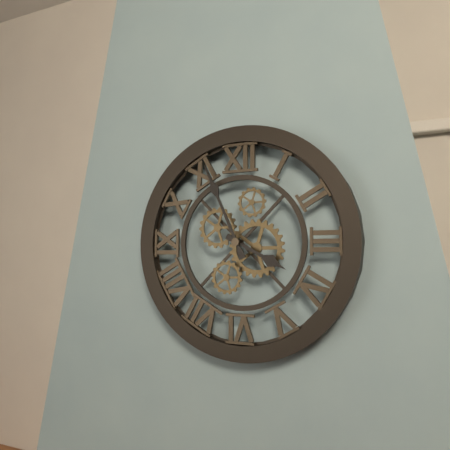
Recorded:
h=3 m=56
